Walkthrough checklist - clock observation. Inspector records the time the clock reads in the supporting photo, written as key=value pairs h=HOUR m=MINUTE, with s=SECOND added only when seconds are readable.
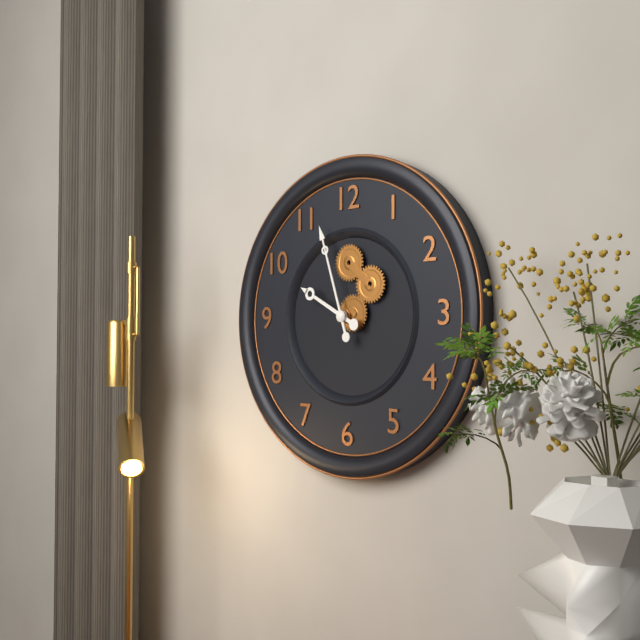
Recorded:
h=9 m=57
